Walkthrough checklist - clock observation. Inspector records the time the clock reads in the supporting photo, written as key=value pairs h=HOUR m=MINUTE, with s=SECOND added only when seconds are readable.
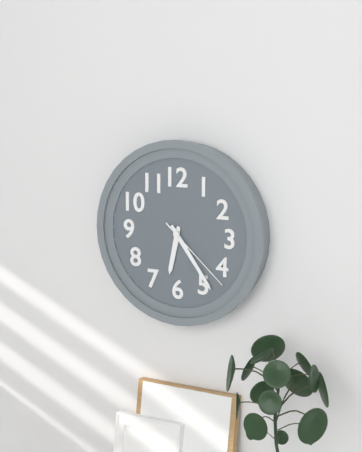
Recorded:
h=6 m=24 s=22
